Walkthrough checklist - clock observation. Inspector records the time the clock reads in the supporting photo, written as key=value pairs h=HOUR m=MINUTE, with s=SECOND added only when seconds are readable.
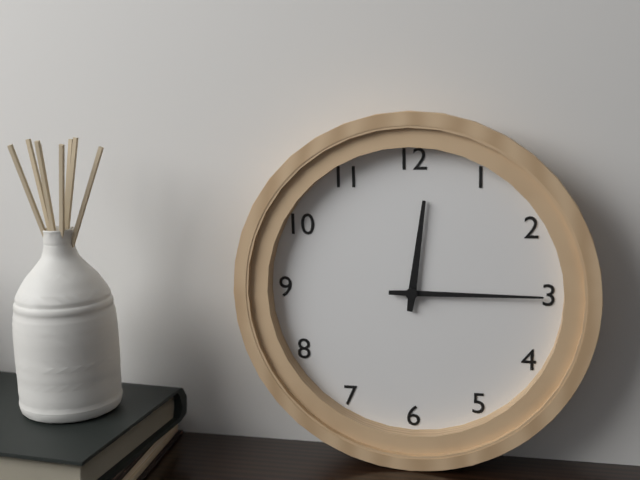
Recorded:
h=12 m=15
